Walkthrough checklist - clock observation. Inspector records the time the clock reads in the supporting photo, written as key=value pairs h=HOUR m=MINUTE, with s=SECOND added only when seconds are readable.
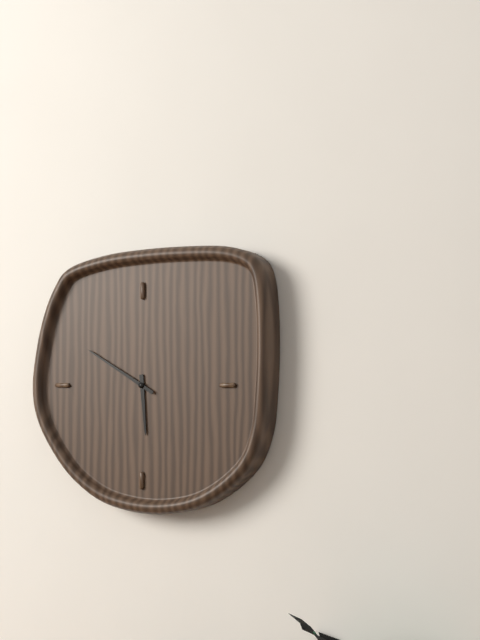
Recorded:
h=5 m=50
